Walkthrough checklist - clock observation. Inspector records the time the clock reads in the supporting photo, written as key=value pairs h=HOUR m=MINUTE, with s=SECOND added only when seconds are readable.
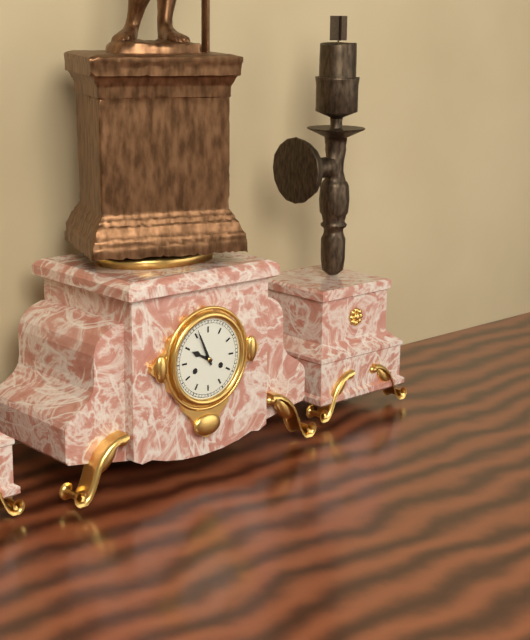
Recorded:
h=9 m=56
